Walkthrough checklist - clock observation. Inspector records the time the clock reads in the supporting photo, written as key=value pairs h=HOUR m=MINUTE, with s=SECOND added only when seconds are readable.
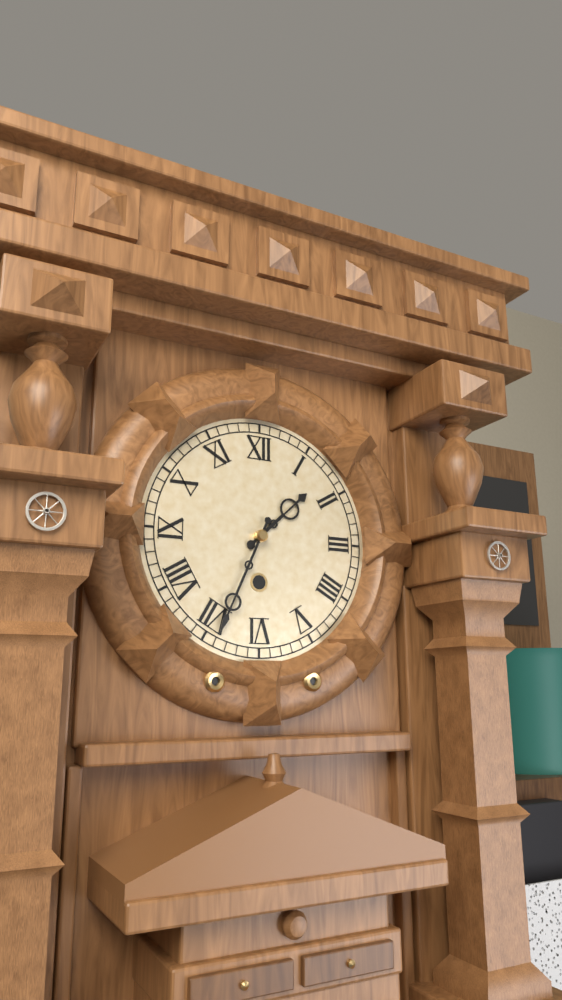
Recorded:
h=1 m=34
